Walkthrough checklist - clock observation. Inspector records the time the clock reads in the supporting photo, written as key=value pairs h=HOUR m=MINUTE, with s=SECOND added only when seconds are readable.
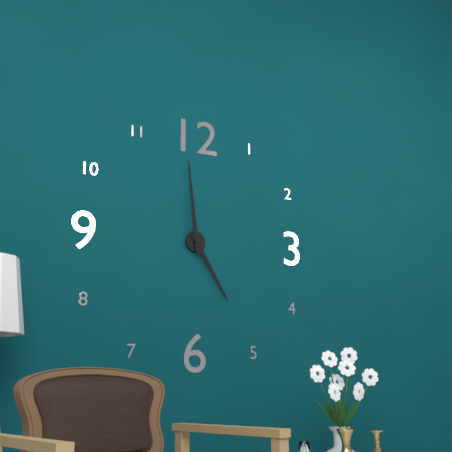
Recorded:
h=4 m=59
